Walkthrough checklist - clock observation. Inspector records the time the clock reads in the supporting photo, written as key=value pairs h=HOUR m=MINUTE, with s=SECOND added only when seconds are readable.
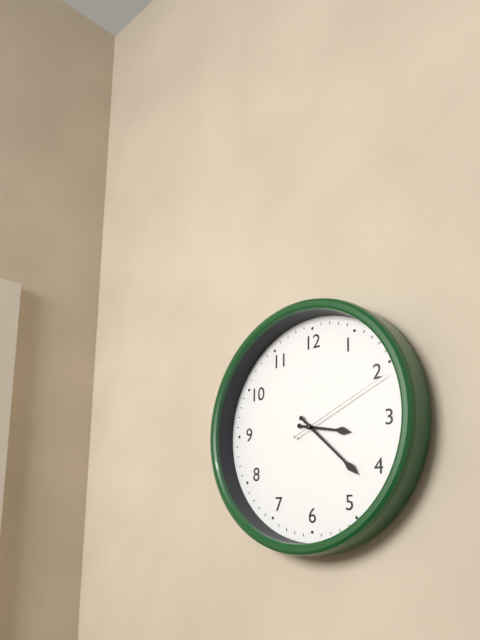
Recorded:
h=3 m=22 s=11
